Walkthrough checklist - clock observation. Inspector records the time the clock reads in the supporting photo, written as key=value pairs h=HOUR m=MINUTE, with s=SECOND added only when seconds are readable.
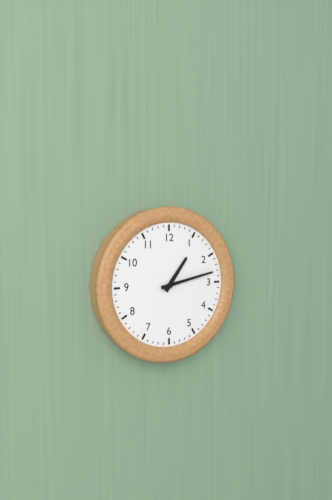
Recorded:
h=1 m=13
